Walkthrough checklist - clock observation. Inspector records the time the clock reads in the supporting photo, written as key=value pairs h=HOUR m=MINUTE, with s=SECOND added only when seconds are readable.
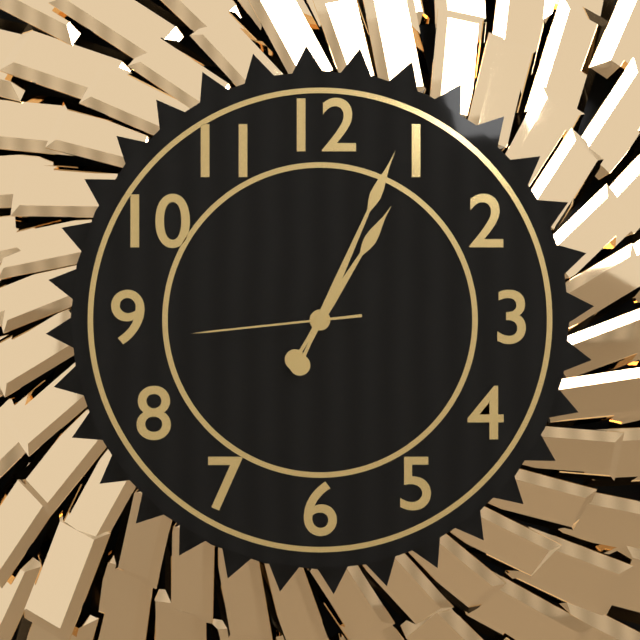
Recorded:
h=1 m=4 s=44
